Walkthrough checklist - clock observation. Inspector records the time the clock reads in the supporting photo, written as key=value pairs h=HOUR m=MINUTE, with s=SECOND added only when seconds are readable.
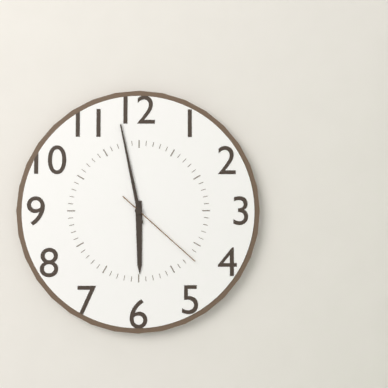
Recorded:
h=5 m=58 s=22
